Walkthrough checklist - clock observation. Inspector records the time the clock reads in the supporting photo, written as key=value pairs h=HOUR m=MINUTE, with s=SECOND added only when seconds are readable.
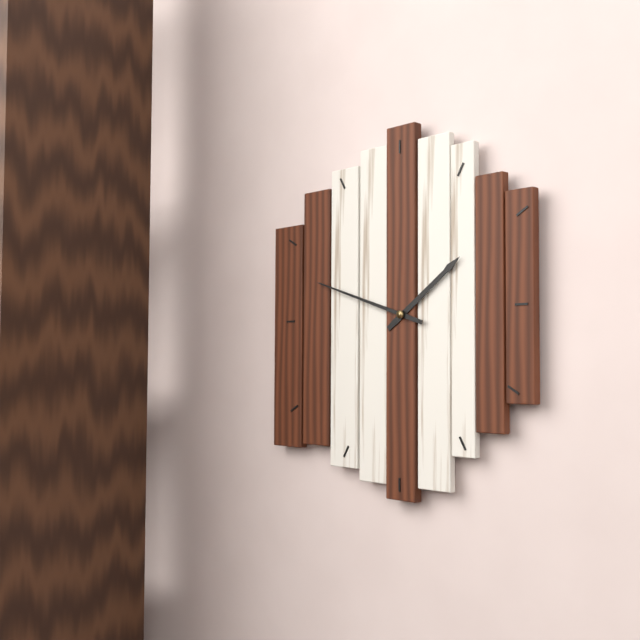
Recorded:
h=1 m=48
